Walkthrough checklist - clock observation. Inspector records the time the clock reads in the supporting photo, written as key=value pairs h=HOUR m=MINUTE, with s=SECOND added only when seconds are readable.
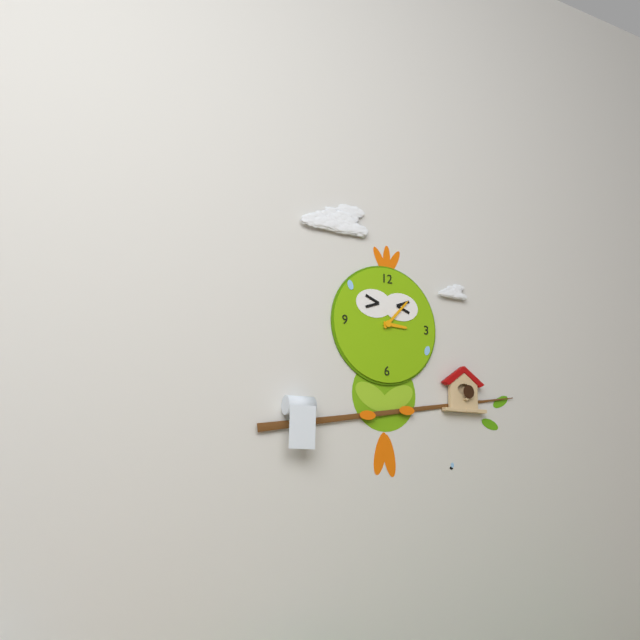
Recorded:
h=3 m=7
